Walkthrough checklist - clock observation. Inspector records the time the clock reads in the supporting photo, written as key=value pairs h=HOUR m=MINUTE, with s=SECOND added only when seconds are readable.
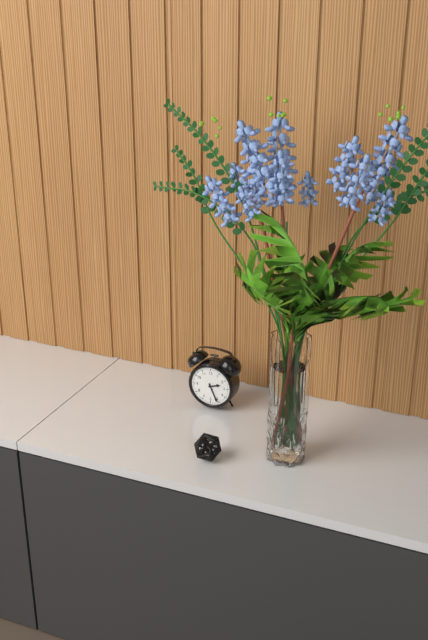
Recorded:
h=2 m=26
